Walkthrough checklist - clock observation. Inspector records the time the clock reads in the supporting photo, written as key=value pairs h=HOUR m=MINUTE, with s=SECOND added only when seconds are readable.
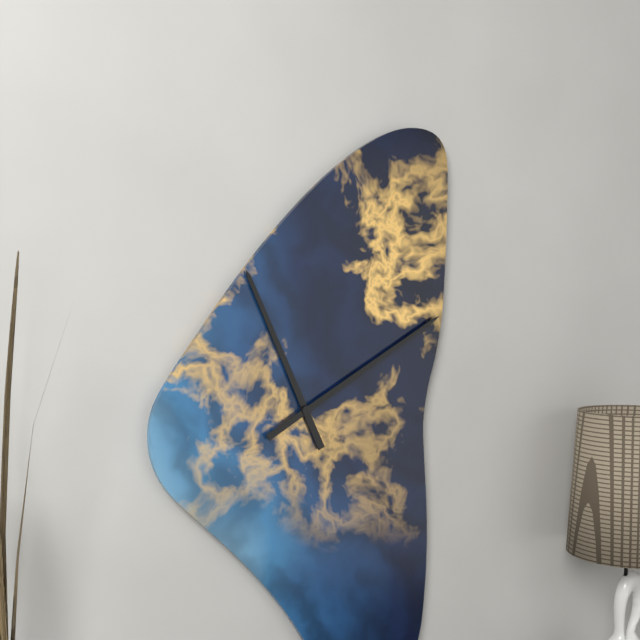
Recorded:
h=11 m=10
